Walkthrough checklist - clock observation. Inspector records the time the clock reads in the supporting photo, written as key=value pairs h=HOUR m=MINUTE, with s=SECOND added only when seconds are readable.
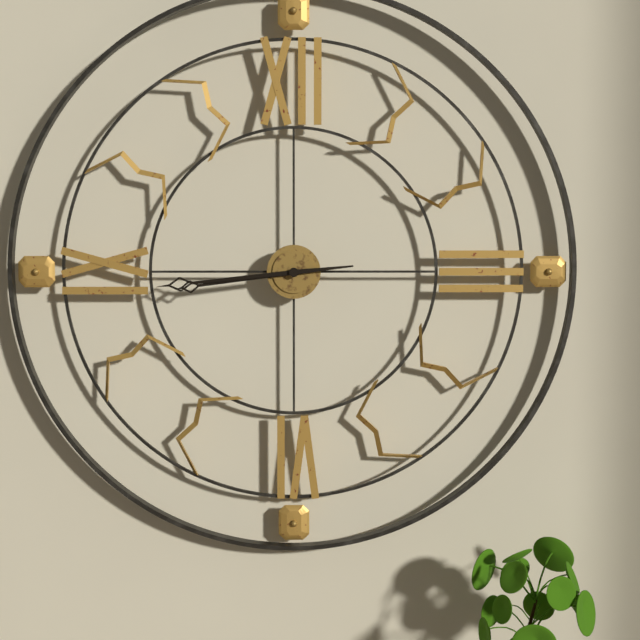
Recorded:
h=8 m=44
